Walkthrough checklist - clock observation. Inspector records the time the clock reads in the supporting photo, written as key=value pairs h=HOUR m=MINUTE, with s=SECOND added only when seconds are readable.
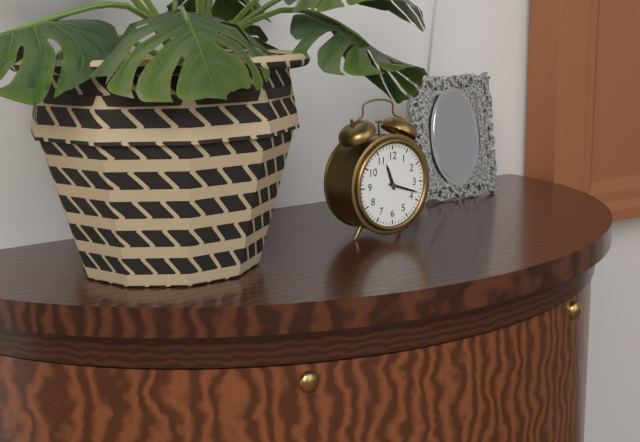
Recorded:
h=11 m=18
